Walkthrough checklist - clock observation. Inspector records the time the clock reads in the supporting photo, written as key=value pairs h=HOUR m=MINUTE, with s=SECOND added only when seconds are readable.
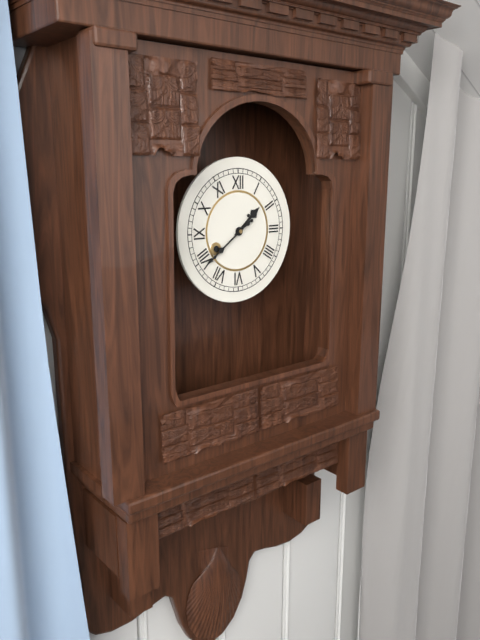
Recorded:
h=1 m=39
